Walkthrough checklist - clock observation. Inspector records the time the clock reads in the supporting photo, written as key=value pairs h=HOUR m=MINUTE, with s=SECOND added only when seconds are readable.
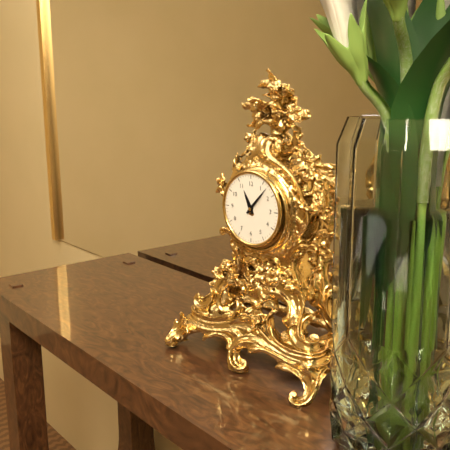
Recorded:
h=11 m=7
